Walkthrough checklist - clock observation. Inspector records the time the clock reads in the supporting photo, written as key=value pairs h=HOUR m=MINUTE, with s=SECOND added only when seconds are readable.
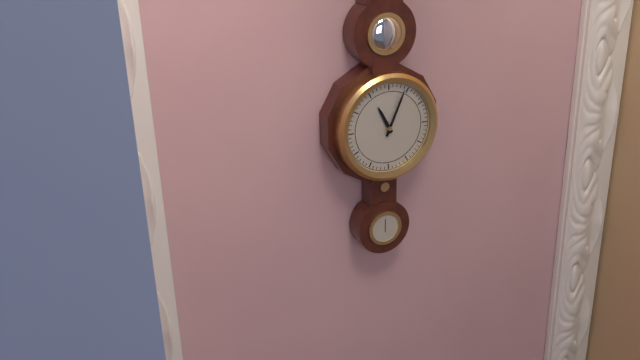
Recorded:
h=11 m=4
